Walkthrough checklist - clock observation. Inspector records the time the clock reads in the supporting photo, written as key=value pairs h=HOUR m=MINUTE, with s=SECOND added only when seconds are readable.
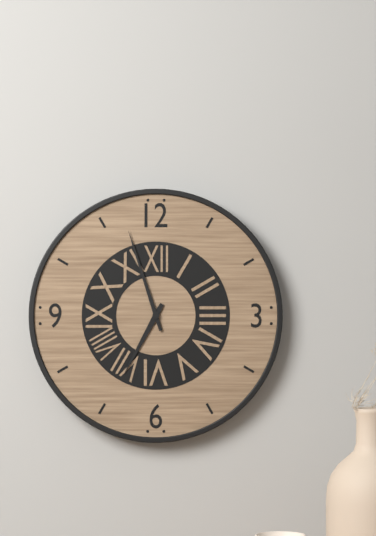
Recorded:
h=6 m=57
